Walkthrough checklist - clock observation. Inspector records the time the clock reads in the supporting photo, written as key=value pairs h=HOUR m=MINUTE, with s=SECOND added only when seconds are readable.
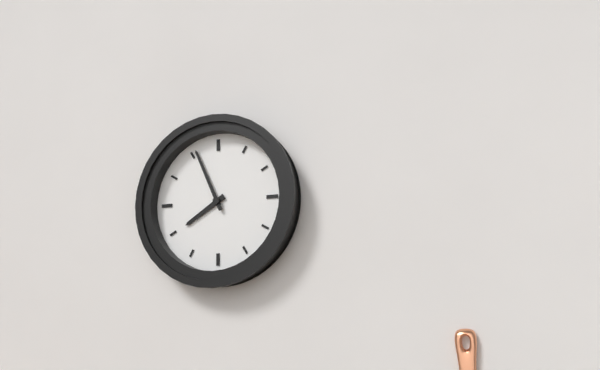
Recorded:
h=7 m=56
